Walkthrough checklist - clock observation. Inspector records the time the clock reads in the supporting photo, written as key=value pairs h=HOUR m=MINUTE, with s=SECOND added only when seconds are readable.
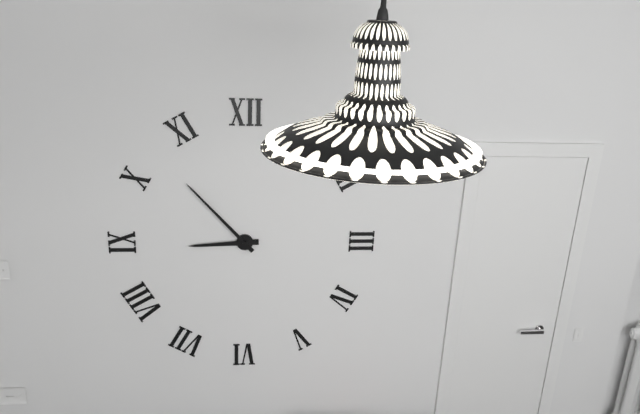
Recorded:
h=8 m=53
